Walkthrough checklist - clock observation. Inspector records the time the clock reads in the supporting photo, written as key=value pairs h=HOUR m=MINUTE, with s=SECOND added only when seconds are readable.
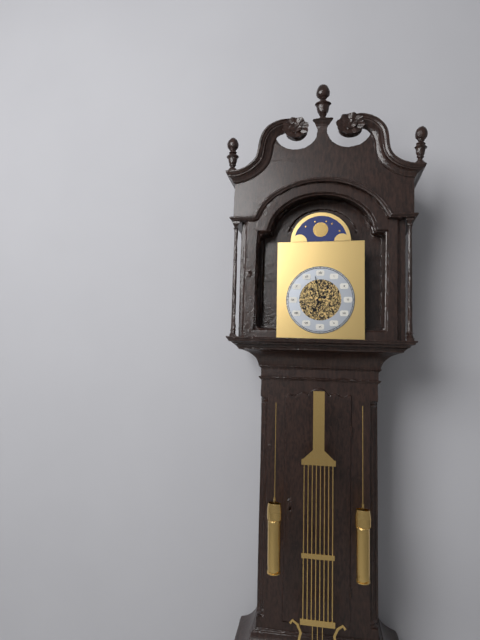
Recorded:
h=6 m=58
